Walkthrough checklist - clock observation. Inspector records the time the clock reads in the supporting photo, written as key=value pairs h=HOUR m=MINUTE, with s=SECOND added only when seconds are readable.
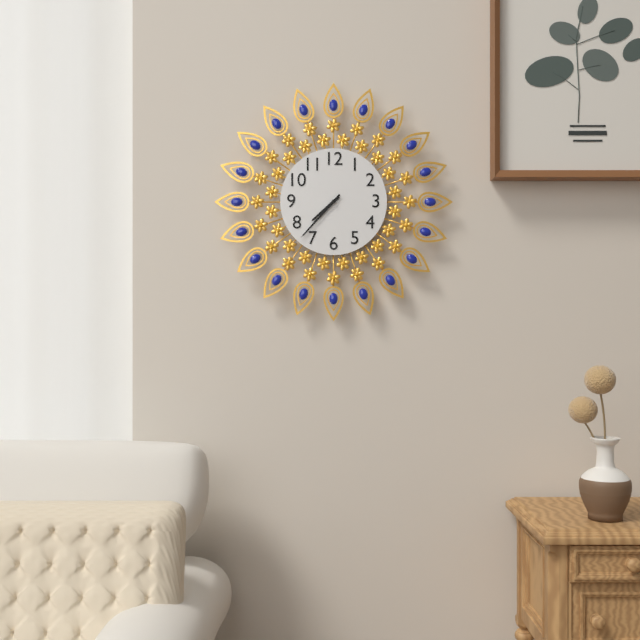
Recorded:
h=7 m=37
